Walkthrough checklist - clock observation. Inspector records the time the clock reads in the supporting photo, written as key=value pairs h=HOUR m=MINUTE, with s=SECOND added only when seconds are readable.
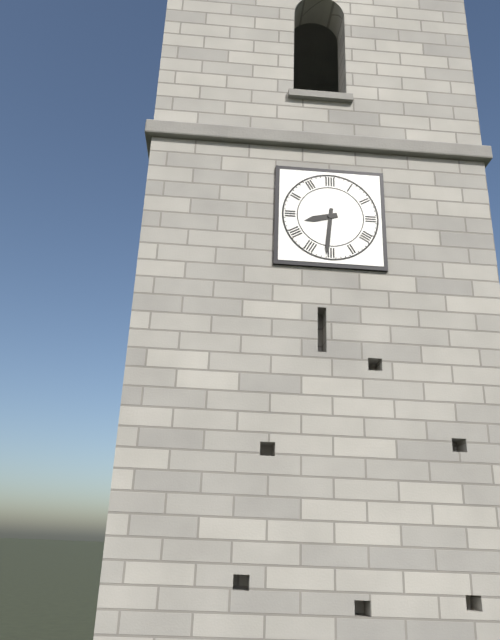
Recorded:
h=8 m=31
